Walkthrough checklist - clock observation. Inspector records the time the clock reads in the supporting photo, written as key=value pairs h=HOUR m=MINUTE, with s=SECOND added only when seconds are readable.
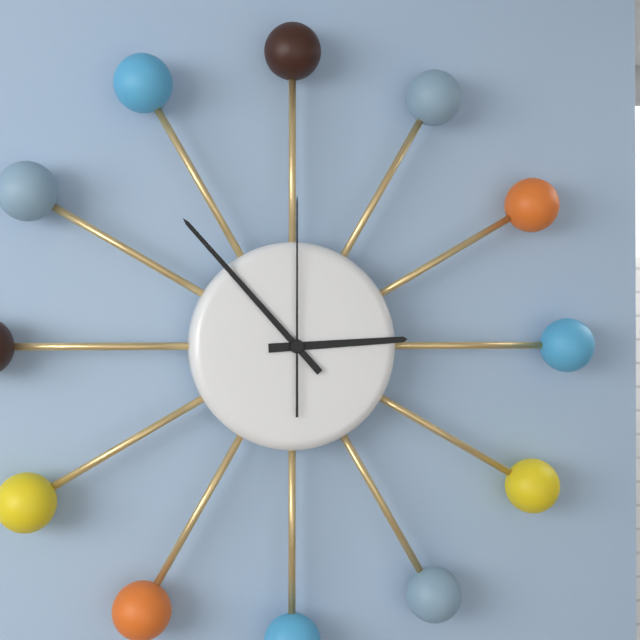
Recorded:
h=2 m=53 s=0
